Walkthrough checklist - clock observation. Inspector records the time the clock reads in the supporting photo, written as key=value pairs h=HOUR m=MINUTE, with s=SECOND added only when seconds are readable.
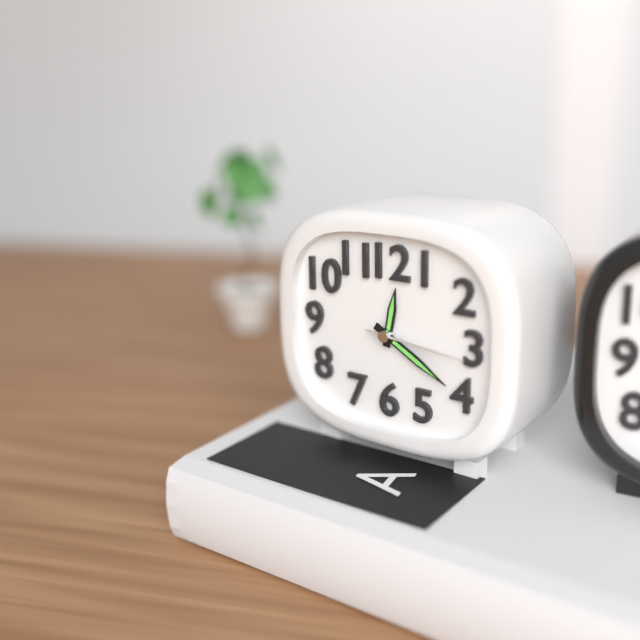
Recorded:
h=12 m=20 s=16
